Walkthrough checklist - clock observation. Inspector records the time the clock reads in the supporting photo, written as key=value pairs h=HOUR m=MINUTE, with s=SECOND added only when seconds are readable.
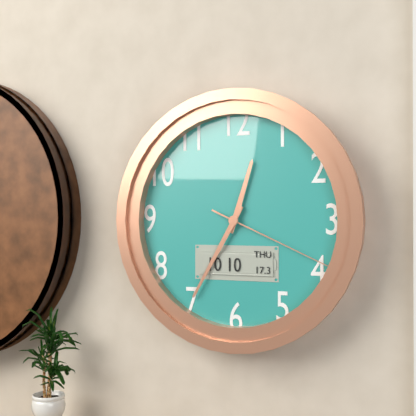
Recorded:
h=12 m=35 s=19
